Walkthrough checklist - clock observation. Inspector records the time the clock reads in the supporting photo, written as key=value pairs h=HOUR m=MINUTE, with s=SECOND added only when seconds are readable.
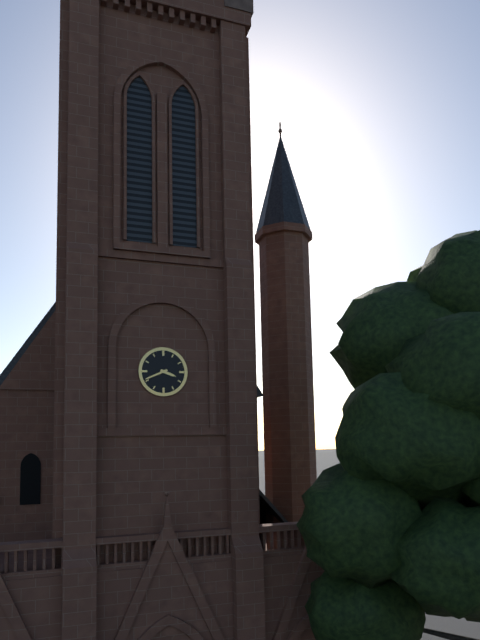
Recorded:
h=3 m=41
